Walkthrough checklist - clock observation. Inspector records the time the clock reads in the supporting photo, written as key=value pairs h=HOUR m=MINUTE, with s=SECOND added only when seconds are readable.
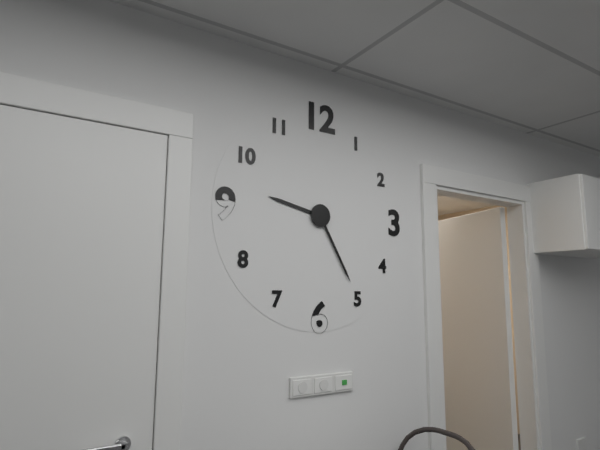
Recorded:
h=9 m=25
